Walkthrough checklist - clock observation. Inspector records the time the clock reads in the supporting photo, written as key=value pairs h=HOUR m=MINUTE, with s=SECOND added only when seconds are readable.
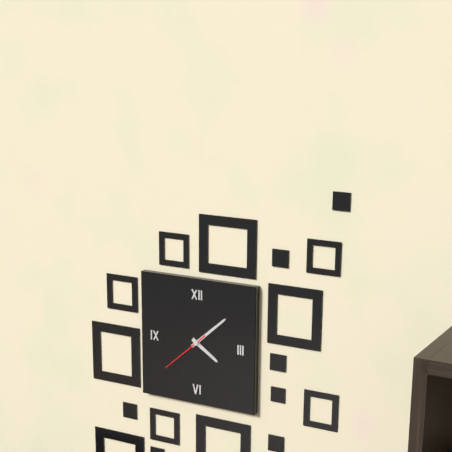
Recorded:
h=4 m=8 s=38
